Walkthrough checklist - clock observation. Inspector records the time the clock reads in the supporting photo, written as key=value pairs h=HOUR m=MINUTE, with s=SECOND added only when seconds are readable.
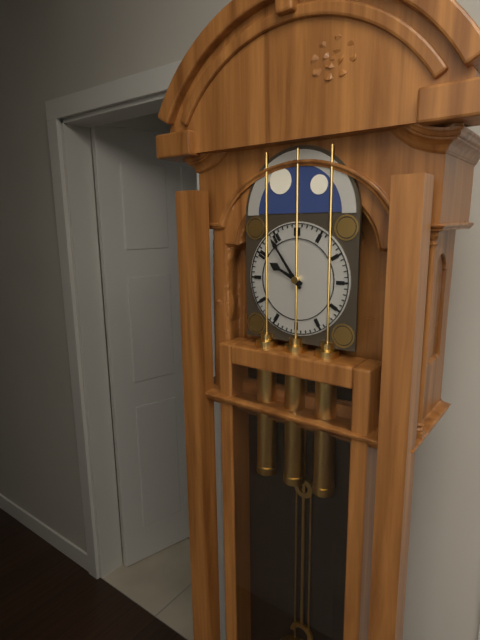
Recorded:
h=9 m=54
